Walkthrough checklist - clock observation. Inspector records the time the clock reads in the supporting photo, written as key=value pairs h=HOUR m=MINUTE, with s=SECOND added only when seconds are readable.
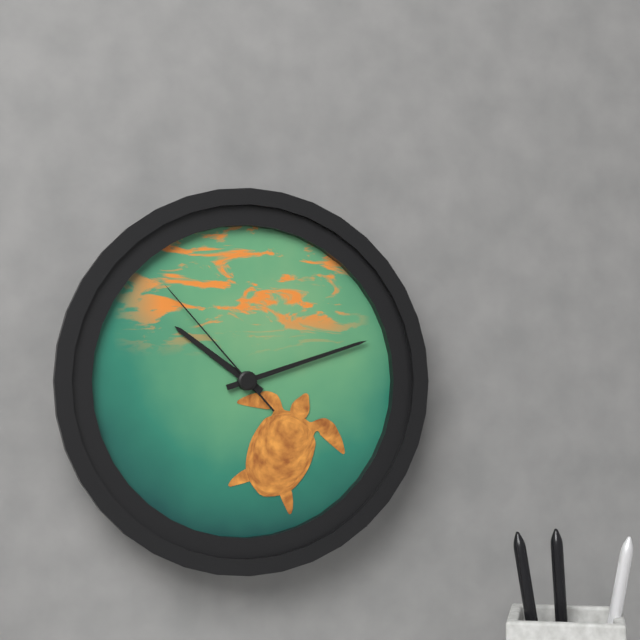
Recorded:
h=10 m=12 s=53
